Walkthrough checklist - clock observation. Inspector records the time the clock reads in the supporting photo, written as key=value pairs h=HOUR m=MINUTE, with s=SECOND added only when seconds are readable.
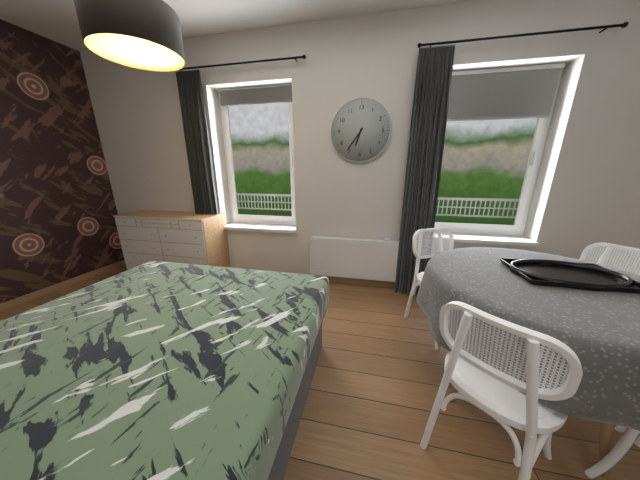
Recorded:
h=6 m=36
